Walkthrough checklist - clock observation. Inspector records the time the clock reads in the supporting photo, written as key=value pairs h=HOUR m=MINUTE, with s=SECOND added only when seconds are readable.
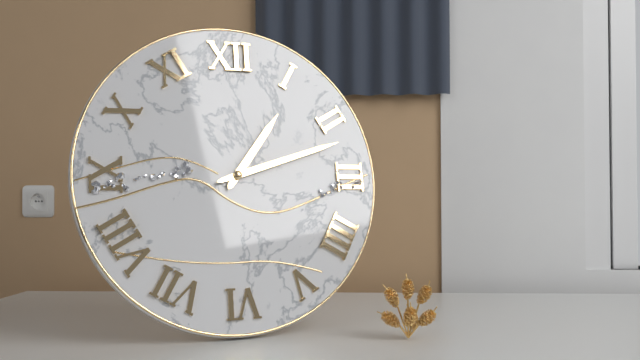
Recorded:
h=1 m=12
